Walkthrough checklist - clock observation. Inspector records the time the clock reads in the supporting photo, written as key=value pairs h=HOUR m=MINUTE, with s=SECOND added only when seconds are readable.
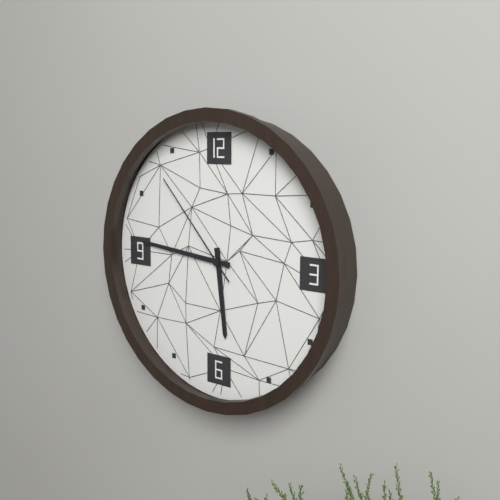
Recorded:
h=5 m=46 s=53
